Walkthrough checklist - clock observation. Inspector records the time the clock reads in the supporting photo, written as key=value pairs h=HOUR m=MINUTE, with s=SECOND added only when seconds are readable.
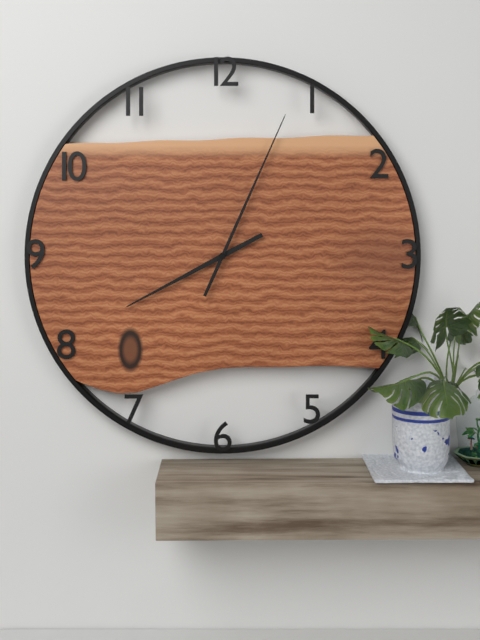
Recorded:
h=8 m=4
